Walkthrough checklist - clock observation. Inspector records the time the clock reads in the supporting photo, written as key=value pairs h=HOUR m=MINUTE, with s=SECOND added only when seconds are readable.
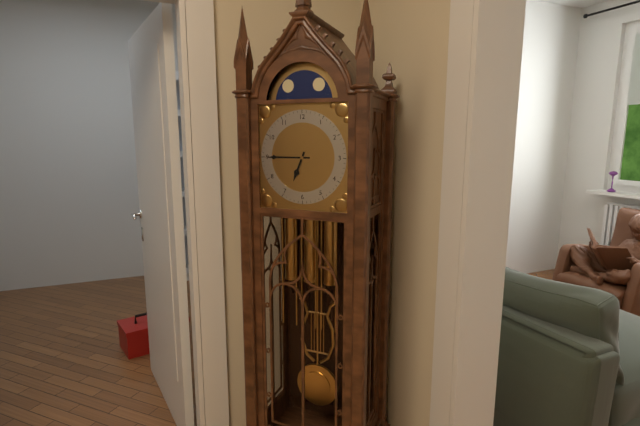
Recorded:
h=6 m=45
